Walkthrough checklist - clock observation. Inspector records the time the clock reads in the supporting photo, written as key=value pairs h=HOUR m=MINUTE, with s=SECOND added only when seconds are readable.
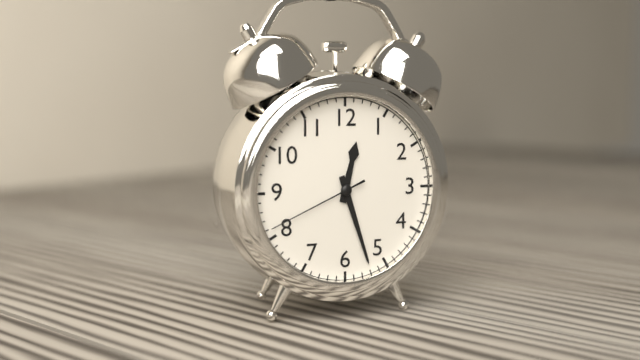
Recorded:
h=12 m=27 s=41
